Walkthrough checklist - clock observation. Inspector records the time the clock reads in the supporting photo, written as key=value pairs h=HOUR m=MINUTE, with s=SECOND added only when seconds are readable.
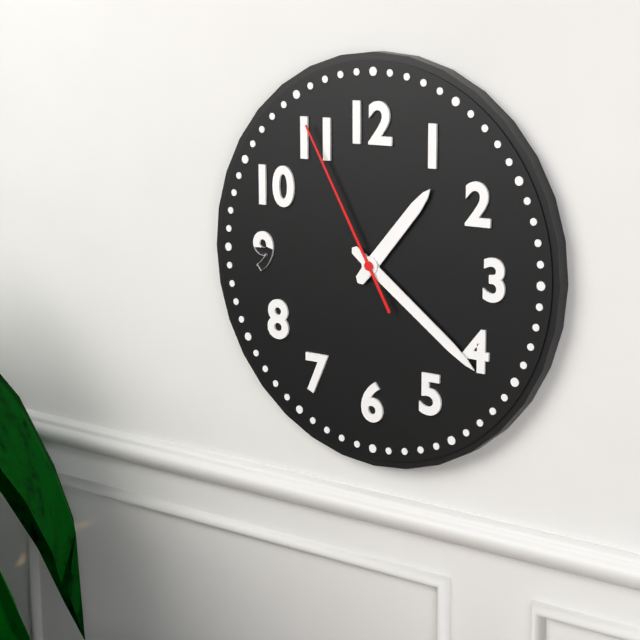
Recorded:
h=1 m=21 s=55
